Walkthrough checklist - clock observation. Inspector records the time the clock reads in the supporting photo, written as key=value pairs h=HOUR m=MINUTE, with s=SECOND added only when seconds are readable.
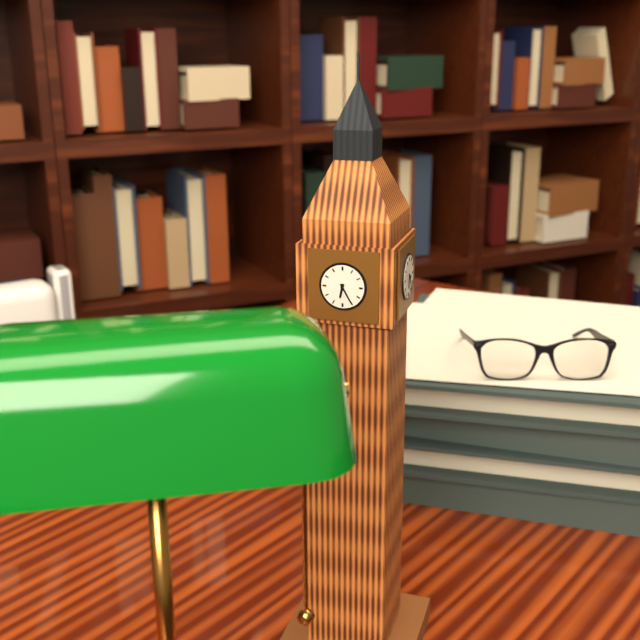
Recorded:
h=6 m=25
